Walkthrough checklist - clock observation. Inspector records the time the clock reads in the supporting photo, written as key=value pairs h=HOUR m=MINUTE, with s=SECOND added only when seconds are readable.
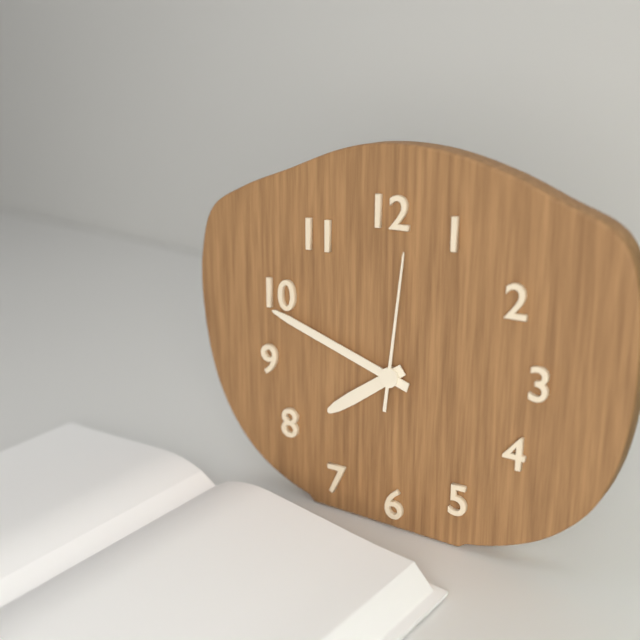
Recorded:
h=7 m=48 s=1
